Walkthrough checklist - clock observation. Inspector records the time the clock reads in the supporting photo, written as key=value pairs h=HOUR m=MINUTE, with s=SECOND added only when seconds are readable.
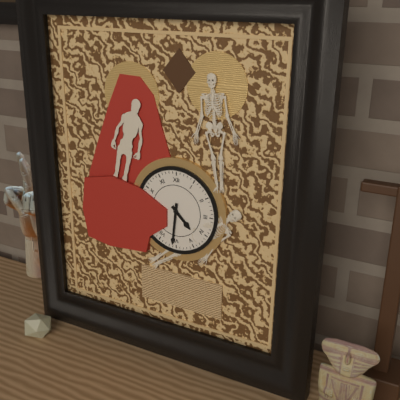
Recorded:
h=4 m=31
